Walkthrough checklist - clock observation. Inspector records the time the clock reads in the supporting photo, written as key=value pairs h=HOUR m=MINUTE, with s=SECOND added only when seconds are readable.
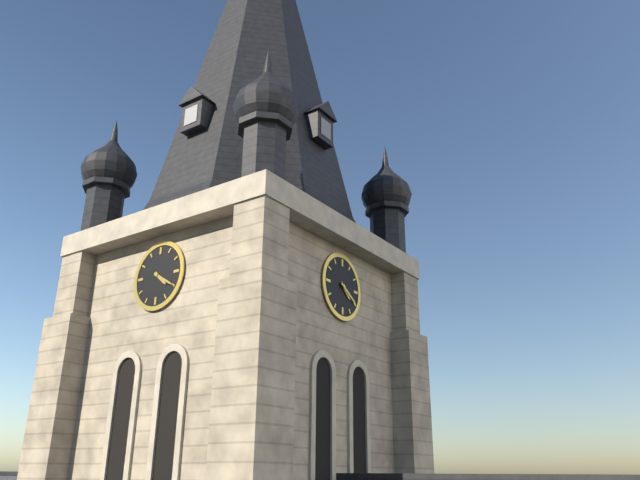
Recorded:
h=4 m=20
